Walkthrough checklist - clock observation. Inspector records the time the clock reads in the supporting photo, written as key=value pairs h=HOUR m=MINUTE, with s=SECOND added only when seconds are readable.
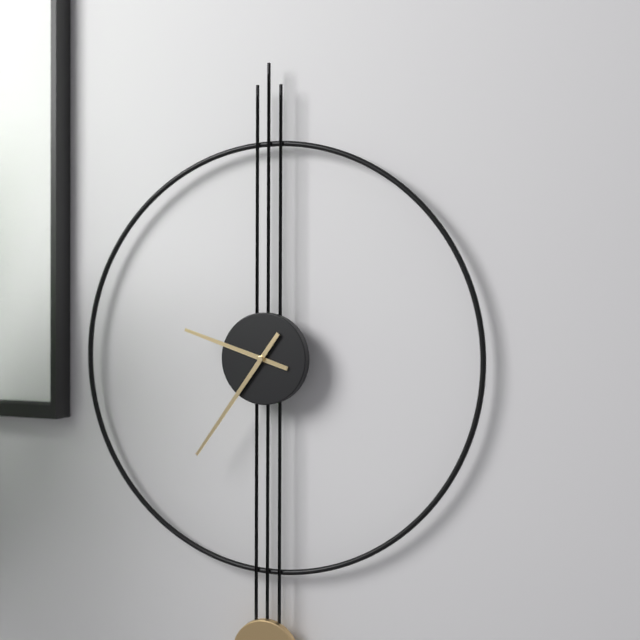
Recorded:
h=9 m=36
